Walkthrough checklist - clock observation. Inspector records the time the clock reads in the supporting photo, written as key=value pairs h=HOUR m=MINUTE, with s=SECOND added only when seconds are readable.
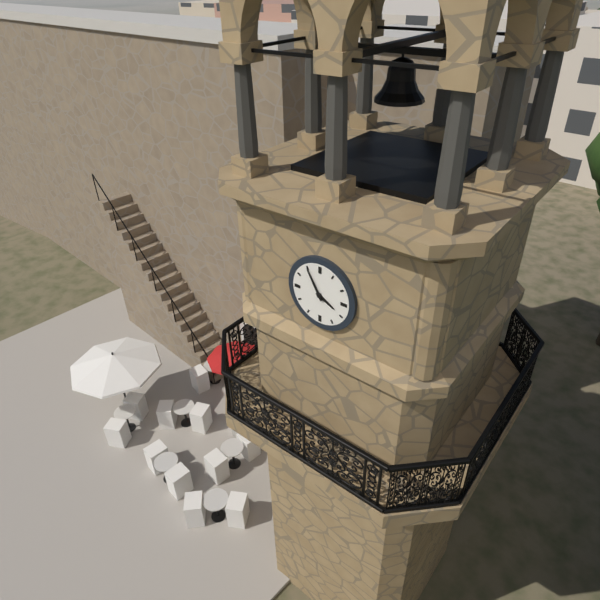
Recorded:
h=3 m=55
